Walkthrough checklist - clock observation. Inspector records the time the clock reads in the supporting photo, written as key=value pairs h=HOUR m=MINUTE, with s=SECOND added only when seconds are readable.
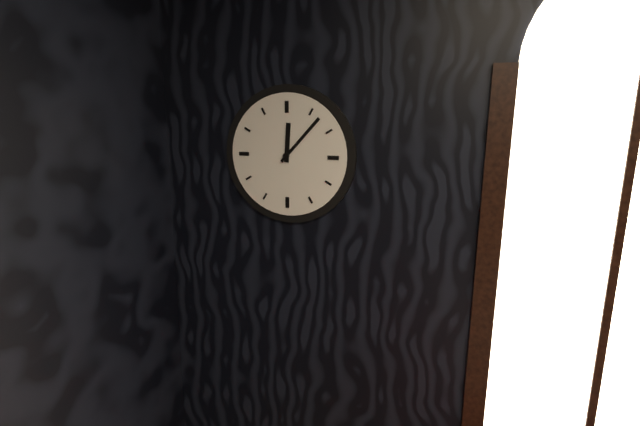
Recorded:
h=12 m=7
